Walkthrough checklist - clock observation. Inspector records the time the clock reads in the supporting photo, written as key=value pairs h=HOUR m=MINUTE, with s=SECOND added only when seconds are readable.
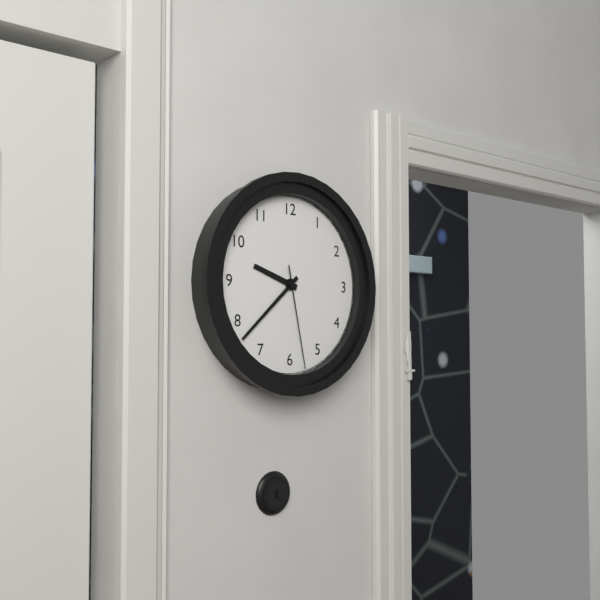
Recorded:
h=9 m=38 s=28
